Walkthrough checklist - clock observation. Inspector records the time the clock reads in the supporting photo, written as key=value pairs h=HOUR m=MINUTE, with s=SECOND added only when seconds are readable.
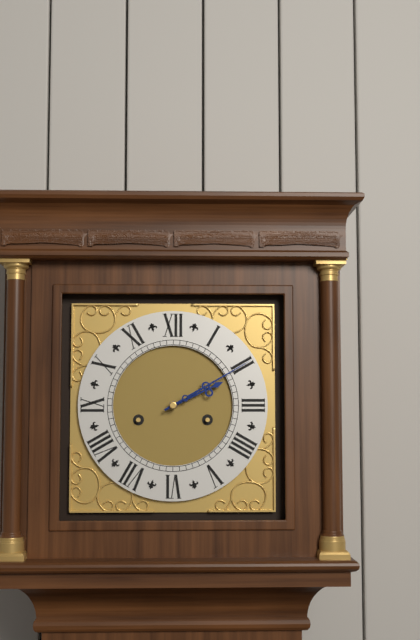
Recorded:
h=2 m=10
